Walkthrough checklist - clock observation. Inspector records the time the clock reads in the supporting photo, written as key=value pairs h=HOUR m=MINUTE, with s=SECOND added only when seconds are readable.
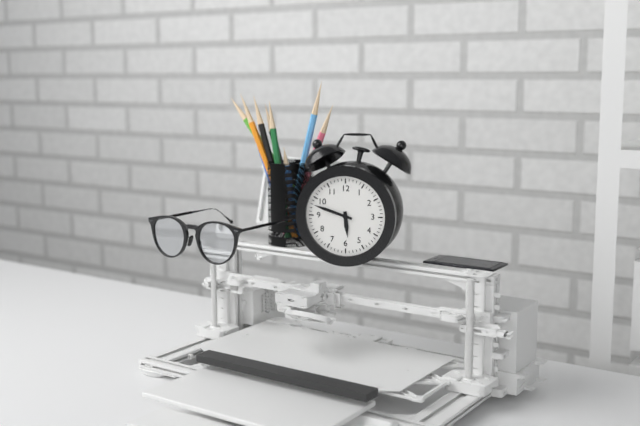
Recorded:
h=5 m=48
